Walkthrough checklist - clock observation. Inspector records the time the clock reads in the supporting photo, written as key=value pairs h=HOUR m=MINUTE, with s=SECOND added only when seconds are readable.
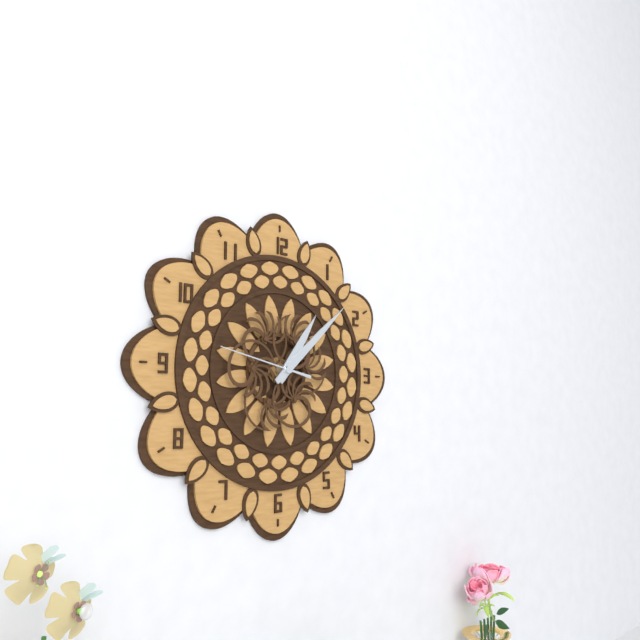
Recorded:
h=1 m=8 s=47
